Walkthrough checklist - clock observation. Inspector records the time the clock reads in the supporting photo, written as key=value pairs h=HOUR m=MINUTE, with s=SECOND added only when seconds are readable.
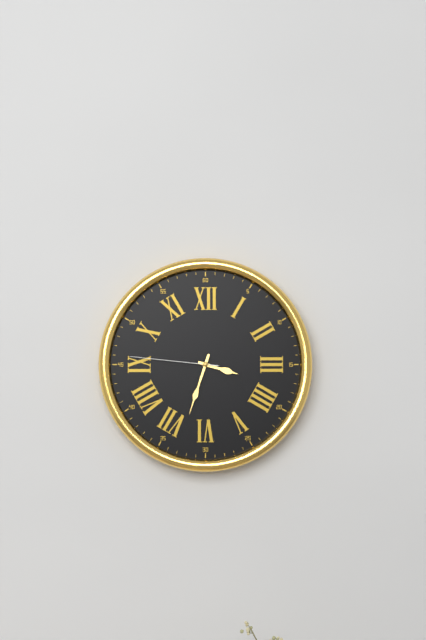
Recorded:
h=3 m=33 s=46
